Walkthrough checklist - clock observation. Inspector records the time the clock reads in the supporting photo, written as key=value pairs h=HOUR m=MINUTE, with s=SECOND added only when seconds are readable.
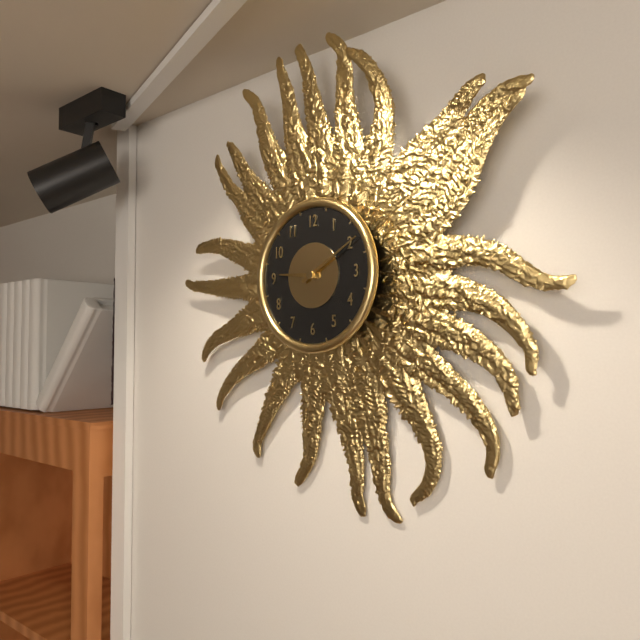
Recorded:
h=9 m=10
